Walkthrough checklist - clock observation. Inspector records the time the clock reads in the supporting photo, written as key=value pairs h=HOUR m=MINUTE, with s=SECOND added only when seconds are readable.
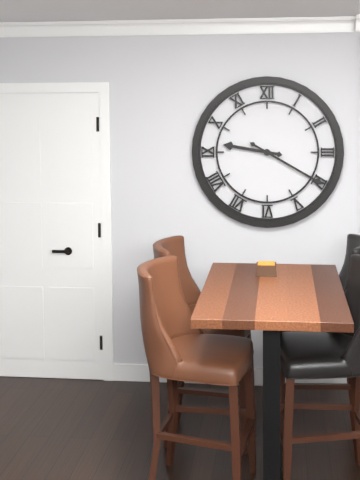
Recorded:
h=9 m=20
